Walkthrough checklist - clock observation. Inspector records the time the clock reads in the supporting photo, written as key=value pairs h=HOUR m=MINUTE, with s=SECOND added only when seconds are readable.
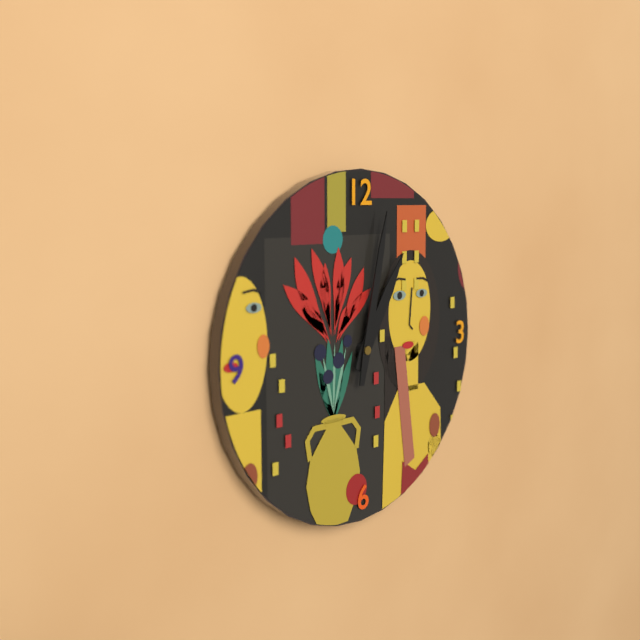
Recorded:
h=1 m=2
